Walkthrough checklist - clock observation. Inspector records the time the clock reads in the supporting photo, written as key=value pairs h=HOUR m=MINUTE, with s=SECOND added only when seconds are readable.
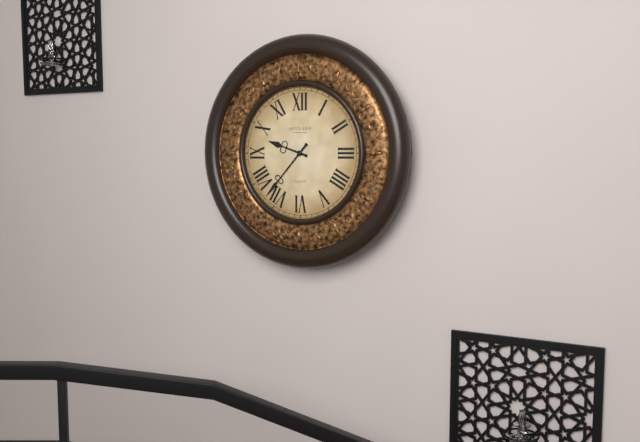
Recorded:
h=9 m=37
